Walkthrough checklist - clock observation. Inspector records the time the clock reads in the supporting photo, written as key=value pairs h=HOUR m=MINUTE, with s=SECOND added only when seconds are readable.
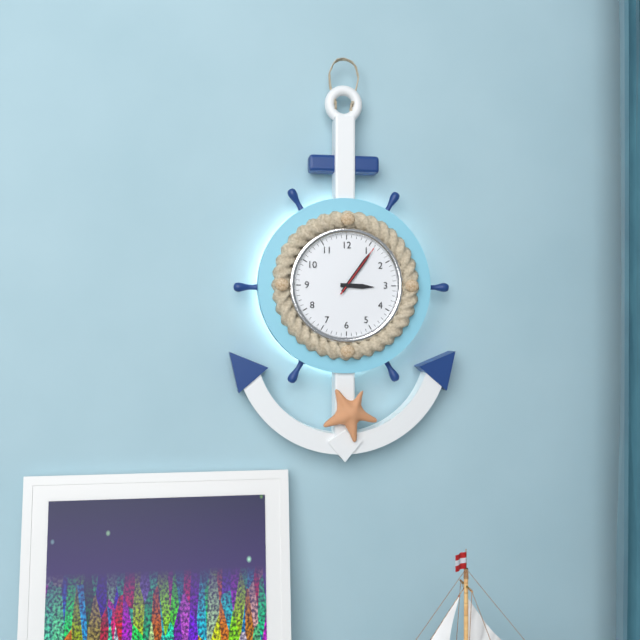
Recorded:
h=3 m=6 s=6
